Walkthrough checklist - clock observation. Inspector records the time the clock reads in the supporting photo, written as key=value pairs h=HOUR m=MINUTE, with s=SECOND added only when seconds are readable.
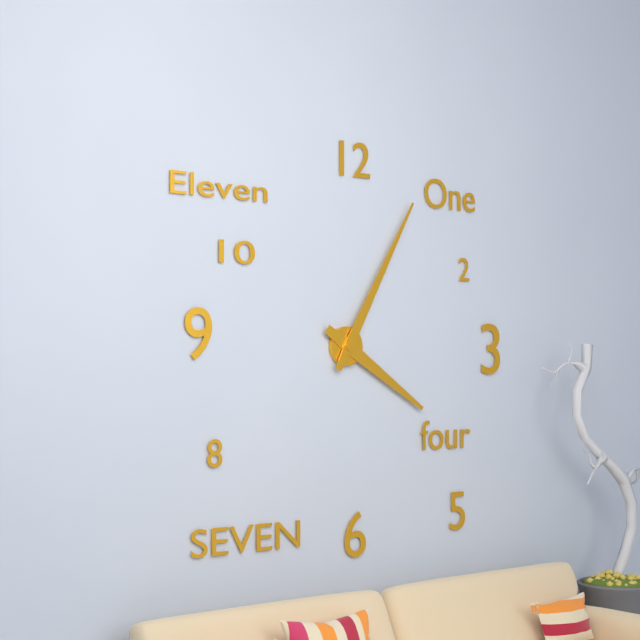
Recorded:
h=4 m=5
